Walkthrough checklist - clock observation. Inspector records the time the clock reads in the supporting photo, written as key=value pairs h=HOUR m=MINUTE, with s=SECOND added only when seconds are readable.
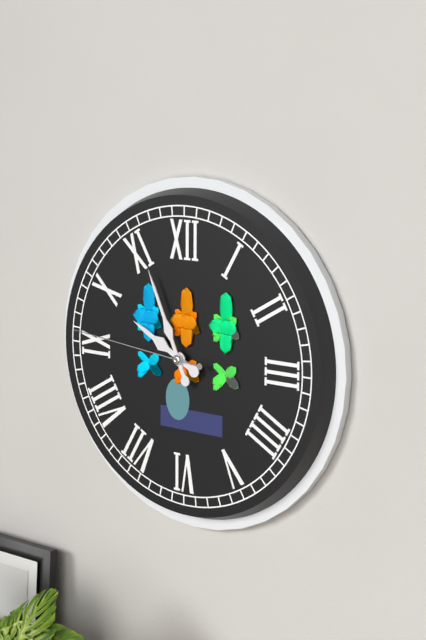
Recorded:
h=9 m=56 s=46
